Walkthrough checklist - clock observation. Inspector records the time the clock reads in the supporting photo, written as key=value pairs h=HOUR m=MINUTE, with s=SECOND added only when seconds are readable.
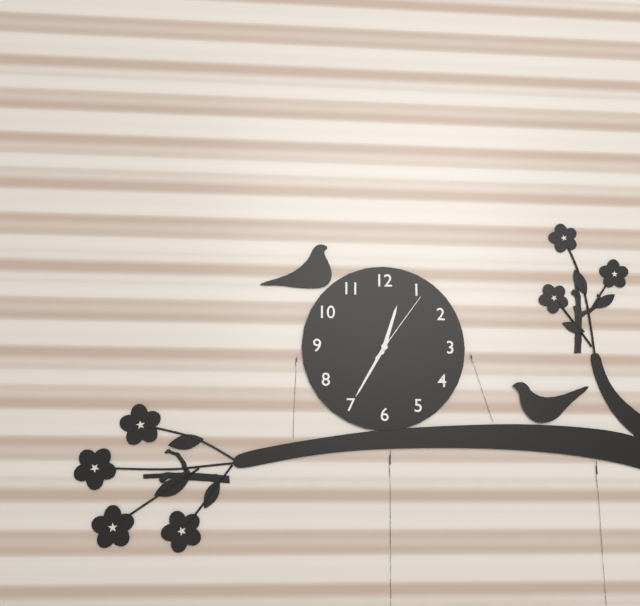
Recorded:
h=12 m=35 s=6
